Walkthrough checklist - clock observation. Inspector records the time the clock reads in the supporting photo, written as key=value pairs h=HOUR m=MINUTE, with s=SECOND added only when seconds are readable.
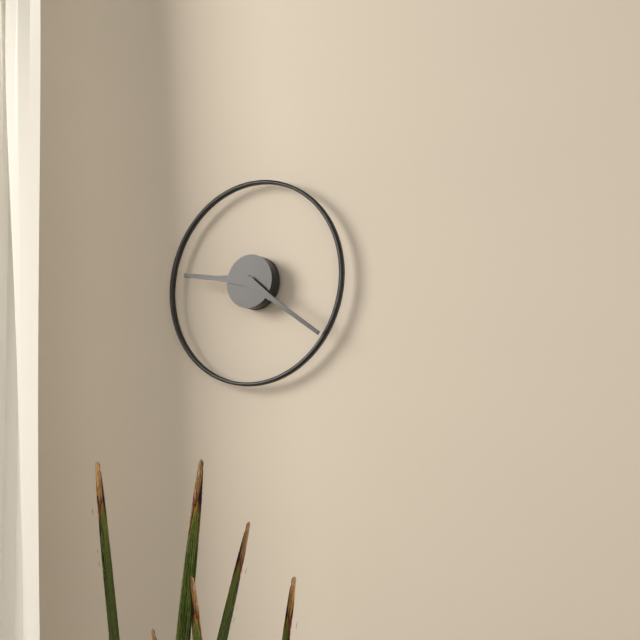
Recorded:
h=9 m=21
